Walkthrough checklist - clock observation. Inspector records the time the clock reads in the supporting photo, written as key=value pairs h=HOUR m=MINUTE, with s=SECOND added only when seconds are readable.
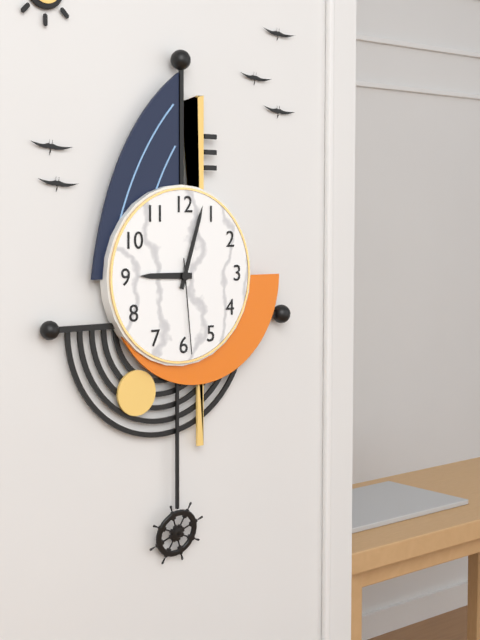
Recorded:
h=9 m=3 s=29
